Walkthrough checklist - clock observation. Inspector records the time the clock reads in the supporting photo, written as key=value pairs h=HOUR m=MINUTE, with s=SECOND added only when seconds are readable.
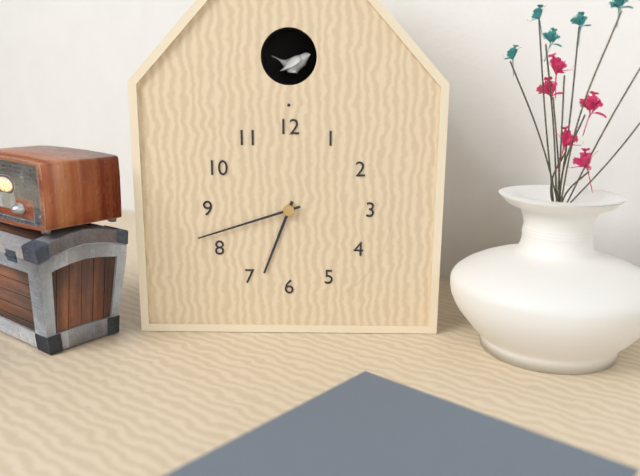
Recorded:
h=6 m=42
